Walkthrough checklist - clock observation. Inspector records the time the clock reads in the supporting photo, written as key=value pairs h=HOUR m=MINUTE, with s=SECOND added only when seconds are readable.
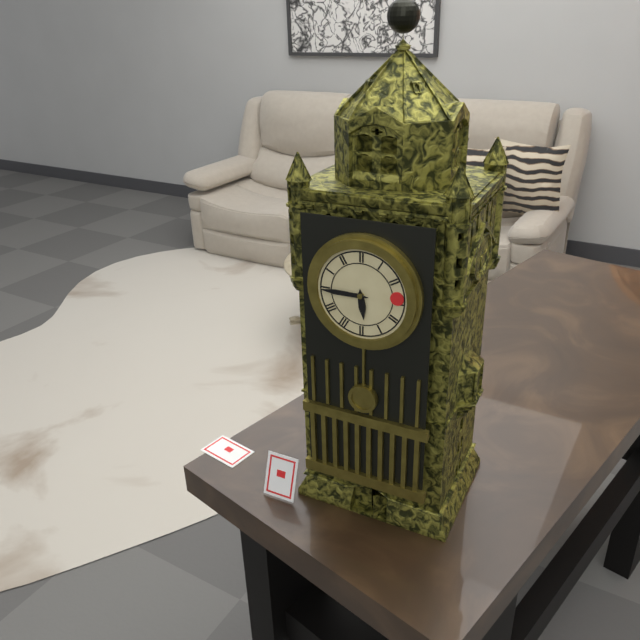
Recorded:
h=5 m=45
